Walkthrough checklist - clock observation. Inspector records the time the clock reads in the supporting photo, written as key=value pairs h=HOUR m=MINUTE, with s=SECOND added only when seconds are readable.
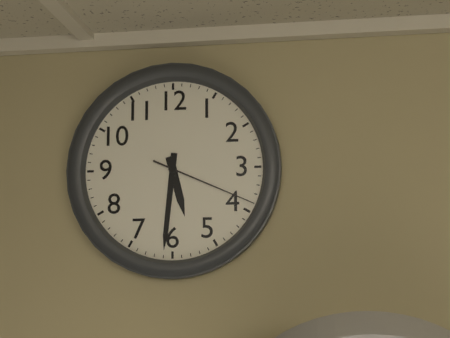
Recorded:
h=5 m=31 s=19
